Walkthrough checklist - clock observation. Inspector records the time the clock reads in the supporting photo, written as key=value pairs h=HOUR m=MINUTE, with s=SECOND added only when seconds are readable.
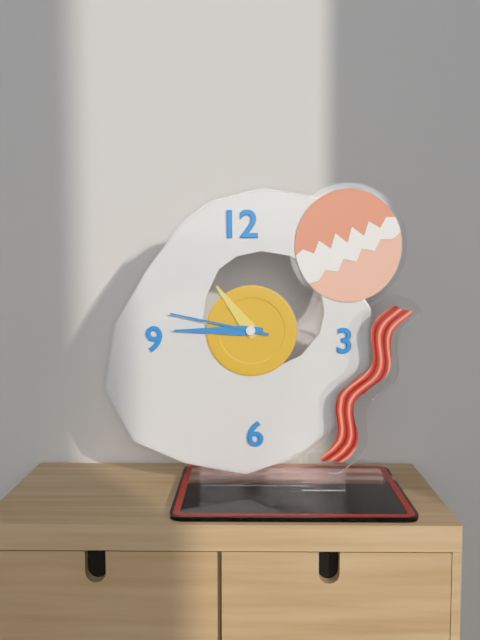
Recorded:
h=10 m=45 s=47
